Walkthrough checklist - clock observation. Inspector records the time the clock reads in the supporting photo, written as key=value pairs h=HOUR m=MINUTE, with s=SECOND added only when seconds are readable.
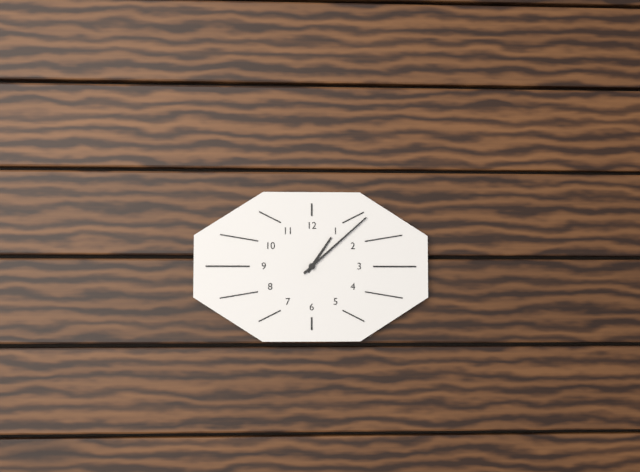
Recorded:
h=1 m=8
